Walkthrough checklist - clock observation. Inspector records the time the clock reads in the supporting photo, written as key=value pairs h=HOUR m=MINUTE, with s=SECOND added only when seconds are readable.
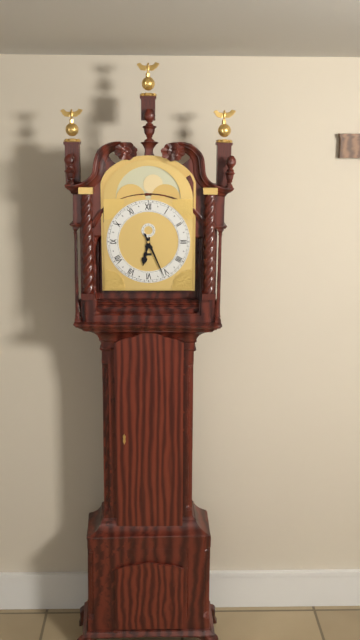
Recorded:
h=6 m=26
